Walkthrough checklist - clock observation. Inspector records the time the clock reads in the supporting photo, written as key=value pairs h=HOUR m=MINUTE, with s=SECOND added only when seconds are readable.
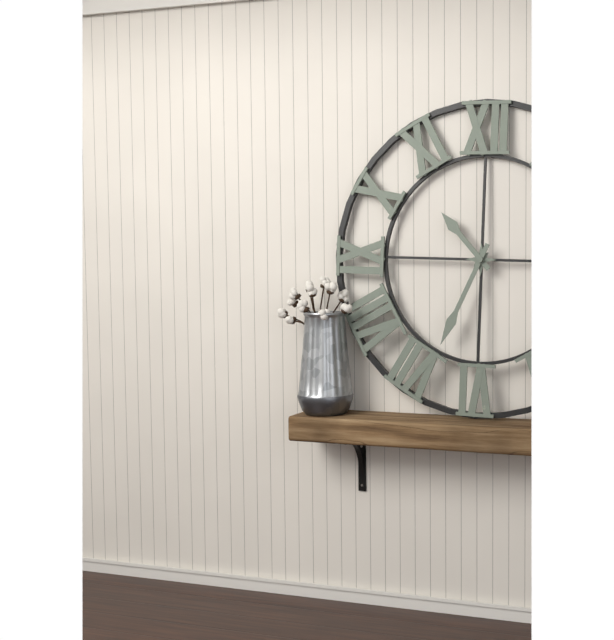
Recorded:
h=10 m=34
